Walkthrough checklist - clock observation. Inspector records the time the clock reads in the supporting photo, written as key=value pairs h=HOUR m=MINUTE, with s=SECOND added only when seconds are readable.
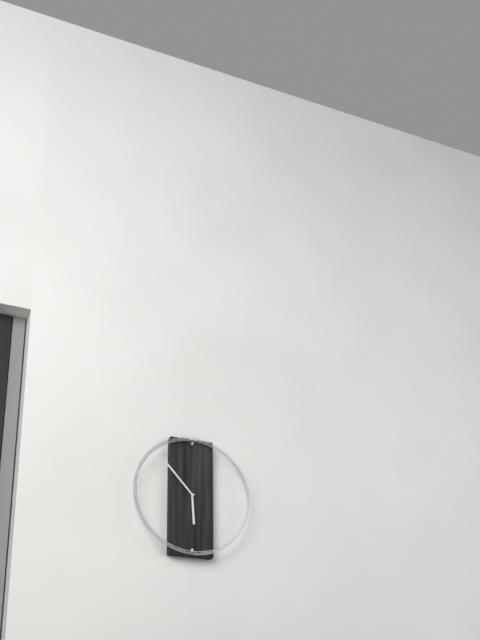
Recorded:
h=5 m=53
